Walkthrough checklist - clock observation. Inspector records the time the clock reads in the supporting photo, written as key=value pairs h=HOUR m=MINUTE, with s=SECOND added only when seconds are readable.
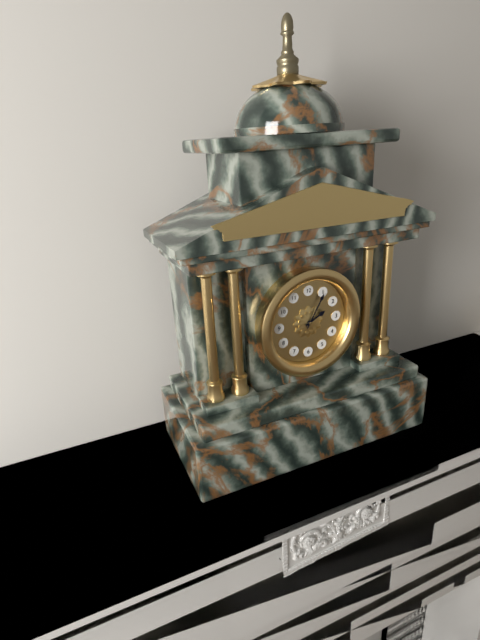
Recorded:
h=2 m=5
